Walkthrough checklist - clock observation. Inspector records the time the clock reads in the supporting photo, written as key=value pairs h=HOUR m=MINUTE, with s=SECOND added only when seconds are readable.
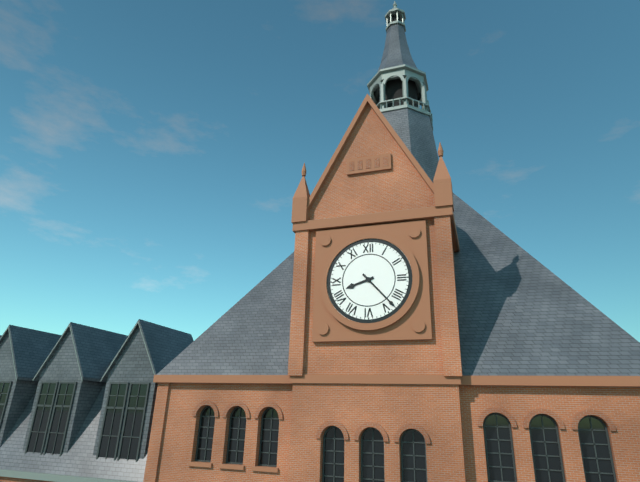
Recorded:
h=8 m=23
